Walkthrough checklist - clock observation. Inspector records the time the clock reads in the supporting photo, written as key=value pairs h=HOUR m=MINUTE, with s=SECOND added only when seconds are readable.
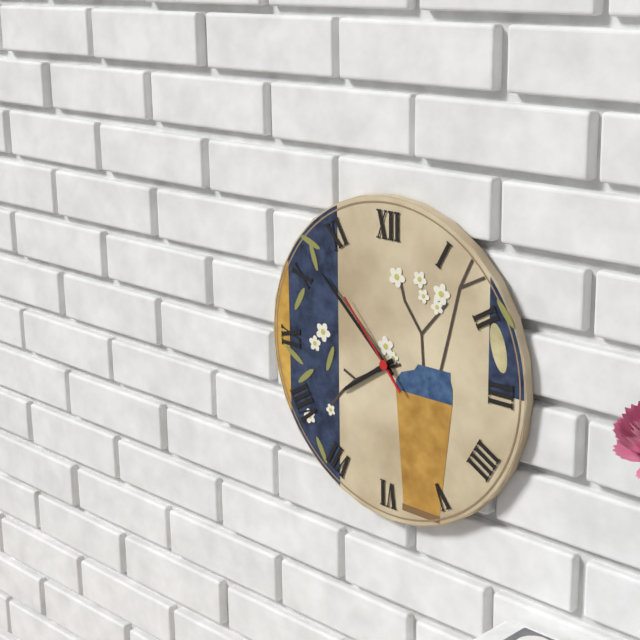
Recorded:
h=7 m=52 s=53
